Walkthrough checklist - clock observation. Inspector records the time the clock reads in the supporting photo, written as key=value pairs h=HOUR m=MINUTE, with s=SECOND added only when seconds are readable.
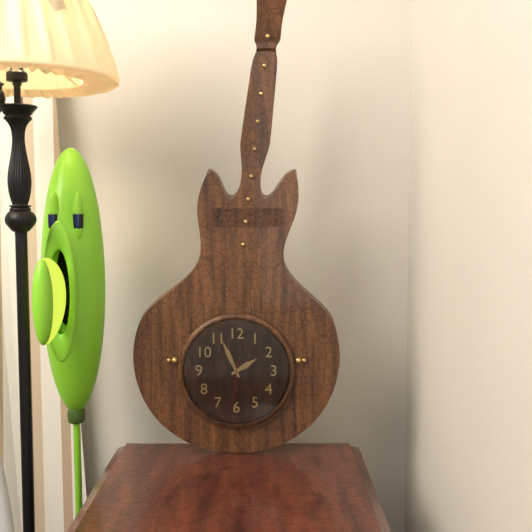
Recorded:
h=1 m=56
